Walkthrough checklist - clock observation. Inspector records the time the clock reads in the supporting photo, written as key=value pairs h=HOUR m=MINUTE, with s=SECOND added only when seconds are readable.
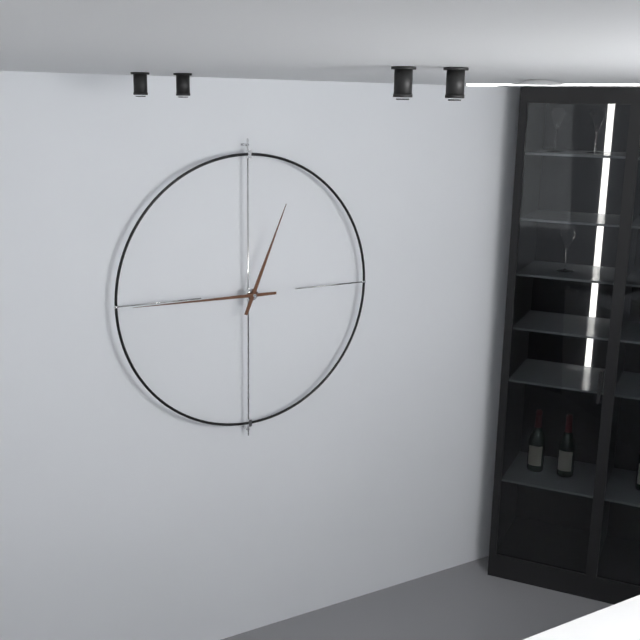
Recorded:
h=12 m=45
